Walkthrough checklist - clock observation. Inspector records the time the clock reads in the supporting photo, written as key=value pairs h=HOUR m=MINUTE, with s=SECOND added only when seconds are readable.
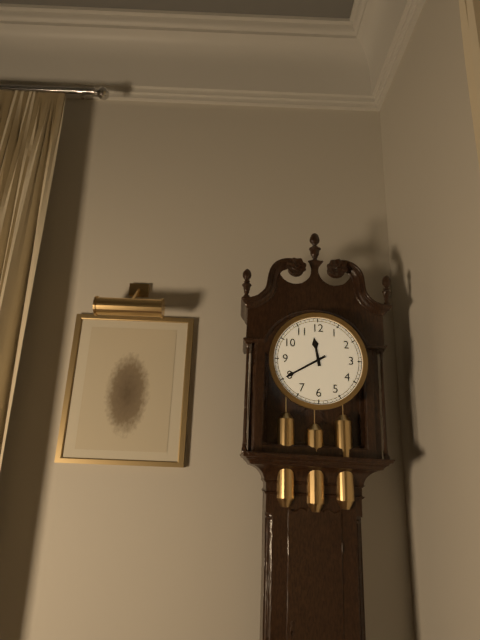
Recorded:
h=11 m=40
